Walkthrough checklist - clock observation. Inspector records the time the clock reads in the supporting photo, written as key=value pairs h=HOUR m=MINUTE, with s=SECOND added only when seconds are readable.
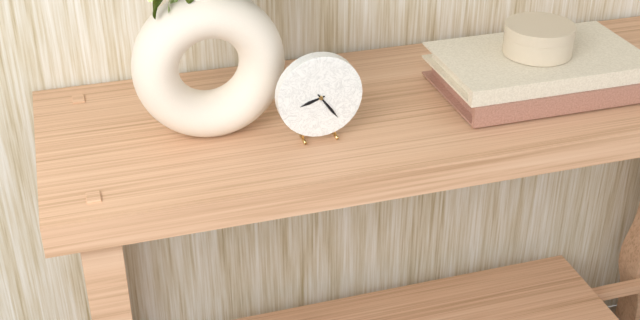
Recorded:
h=8 m=24
